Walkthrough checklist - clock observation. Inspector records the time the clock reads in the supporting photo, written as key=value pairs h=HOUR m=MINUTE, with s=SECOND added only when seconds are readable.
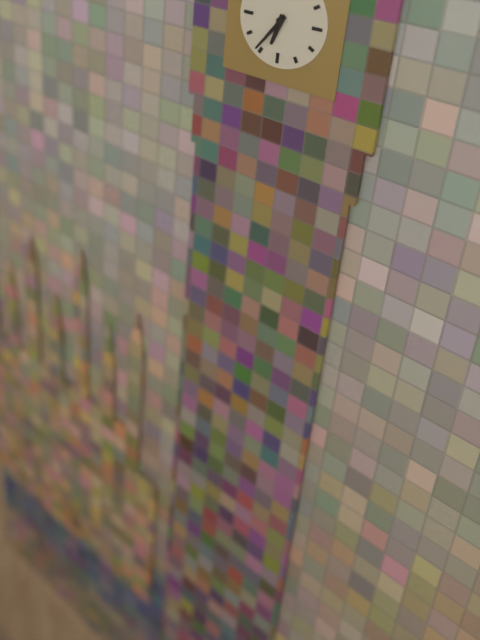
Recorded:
h=6 m=36
